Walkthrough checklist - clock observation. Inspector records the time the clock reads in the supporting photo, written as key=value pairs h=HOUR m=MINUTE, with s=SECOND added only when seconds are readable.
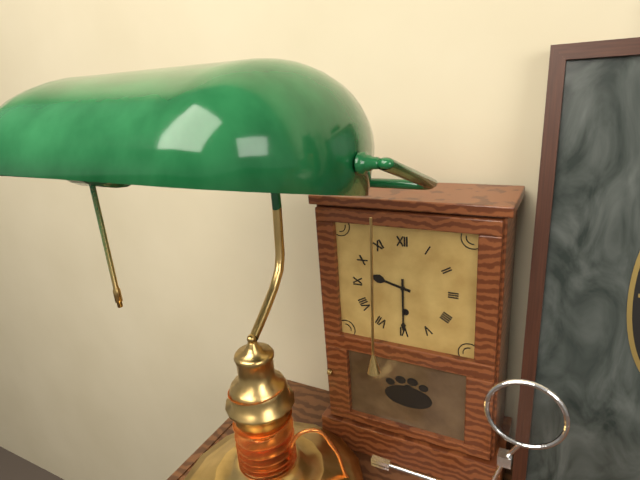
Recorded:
h=9 m=30
